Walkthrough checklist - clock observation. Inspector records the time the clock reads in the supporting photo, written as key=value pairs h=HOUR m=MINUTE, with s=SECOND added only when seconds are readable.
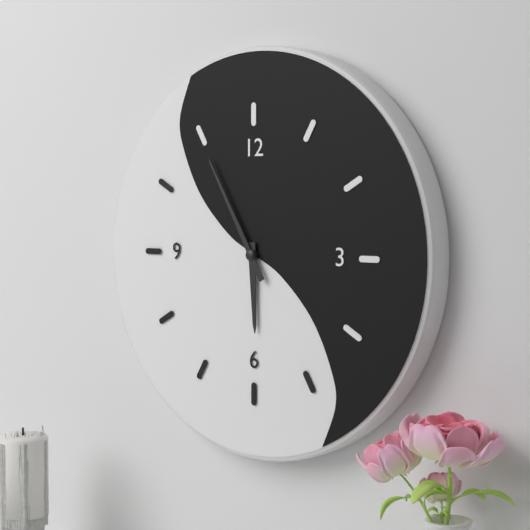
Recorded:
h=5 m=55
